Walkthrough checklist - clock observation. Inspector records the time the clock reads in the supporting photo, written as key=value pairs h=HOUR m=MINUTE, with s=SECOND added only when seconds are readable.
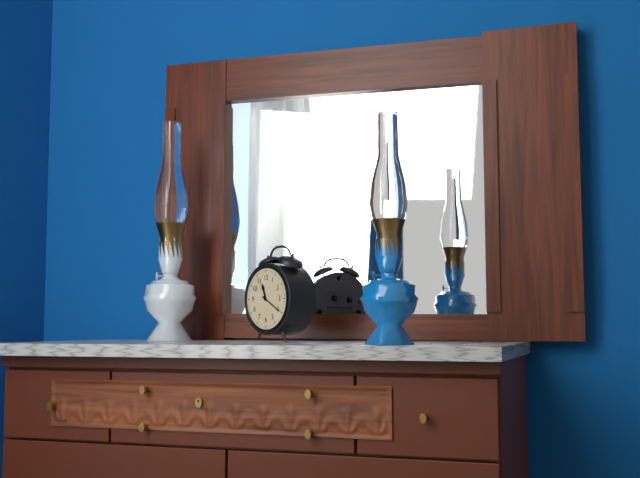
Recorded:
h=11 m=20
